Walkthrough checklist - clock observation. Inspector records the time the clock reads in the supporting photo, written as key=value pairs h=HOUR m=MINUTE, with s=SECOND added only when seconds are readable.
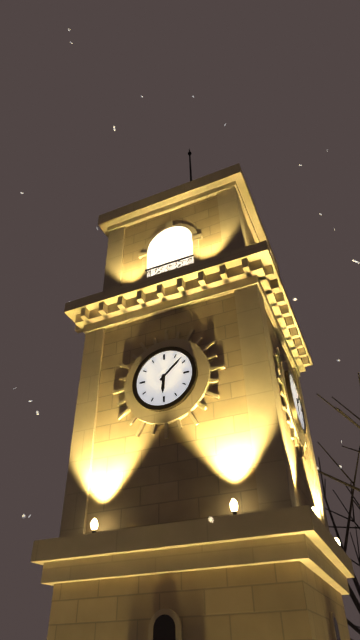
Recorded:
h=6 m=8
